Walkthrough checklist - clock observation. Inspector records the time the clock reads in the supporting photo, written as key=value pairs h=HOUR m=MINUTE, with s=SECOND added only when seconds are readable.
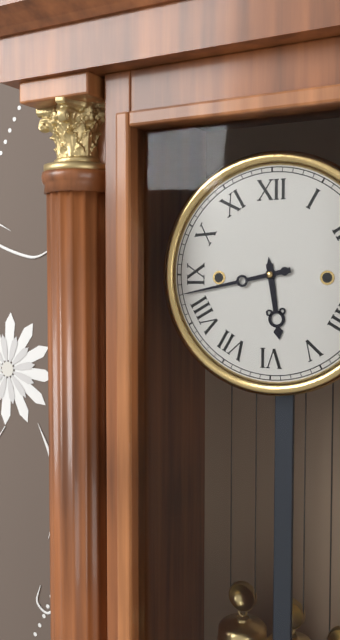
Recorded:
h=5 m=43
